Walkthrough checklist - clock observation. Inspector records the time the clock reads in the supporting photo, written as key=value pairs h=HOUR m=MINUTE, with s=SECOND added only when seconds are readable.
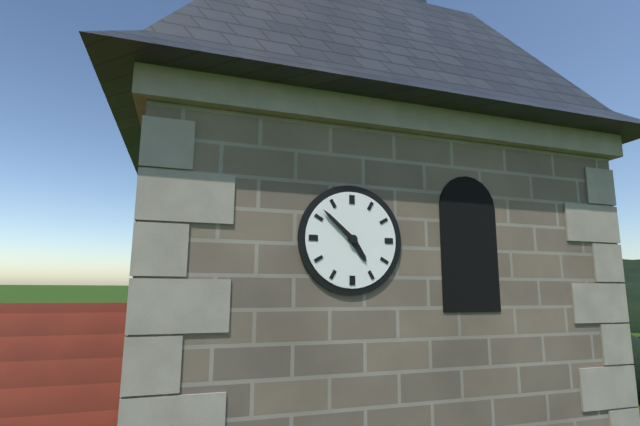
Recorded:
h=4 m=52
